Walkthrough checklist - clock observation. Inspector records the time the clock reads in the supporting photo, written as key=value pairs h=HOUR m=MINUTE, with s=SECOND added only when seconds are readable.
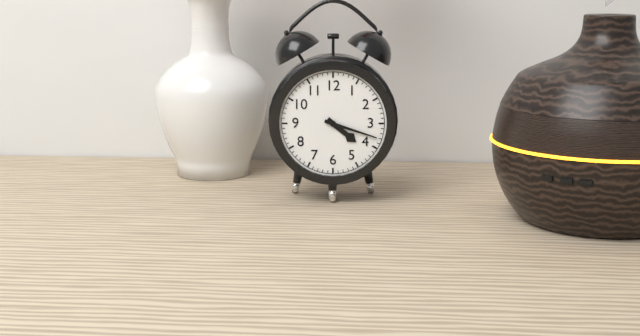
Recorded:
h=4 m=18
